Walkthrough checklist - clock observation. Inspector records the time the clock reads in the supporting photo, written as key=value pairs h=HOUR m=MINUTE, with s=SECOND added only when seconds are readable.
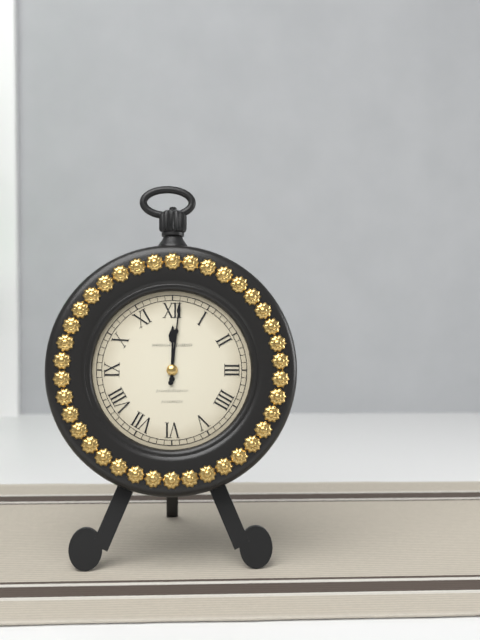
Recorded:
h=12 m=1
